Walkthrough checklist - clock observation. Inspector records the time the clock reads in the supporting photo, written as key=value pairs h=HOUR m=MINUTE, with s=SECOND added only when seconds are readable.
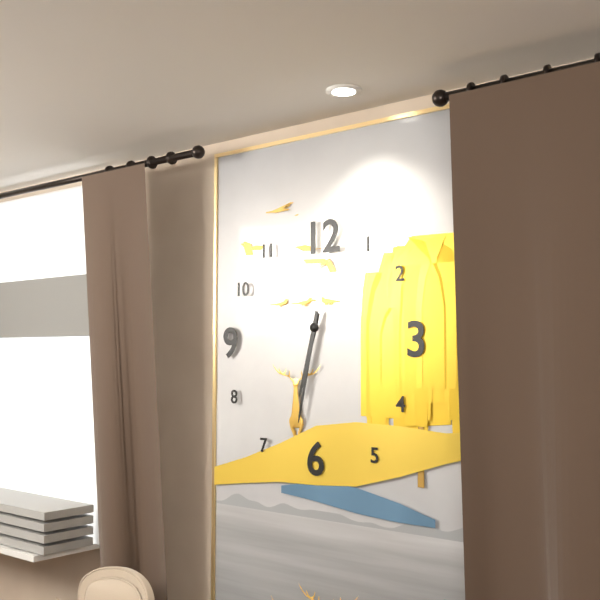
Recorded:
h=6 m=32
